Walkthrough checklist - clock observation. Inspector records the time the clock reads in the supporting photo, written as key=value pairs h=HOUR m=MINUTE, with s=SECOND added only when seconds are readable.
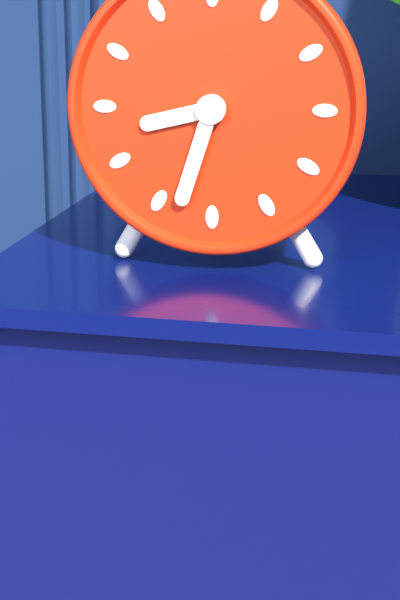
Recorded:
h=8 m=33
